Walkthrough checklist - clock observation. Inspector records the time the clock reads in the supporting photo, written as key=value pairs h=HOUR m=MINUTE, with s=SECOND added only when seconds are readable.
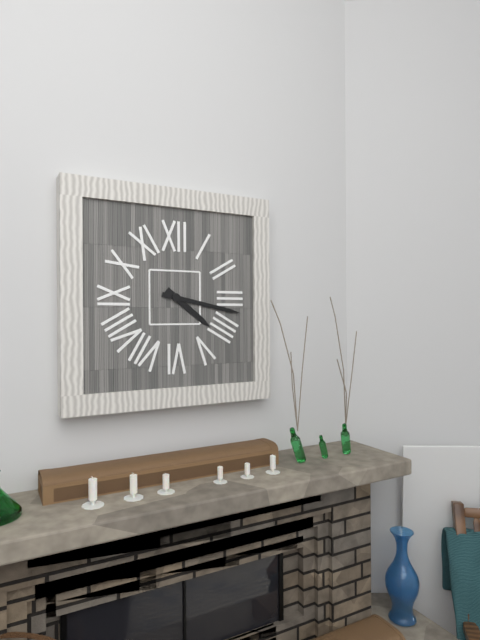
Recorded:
h=4 m=17
